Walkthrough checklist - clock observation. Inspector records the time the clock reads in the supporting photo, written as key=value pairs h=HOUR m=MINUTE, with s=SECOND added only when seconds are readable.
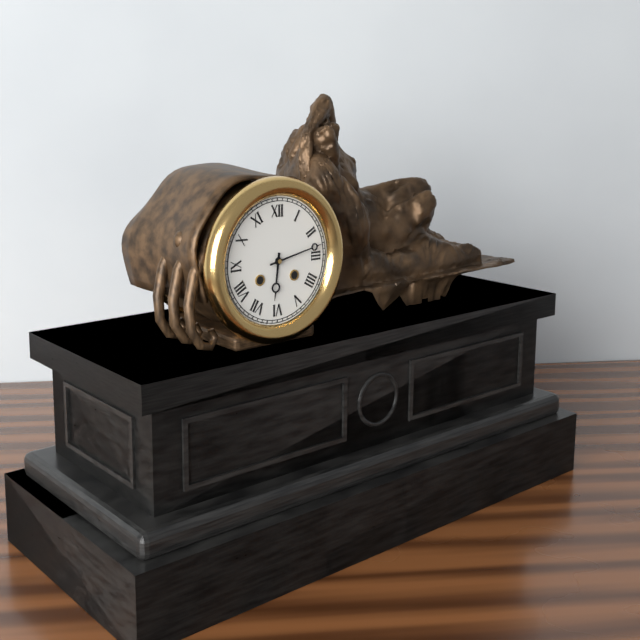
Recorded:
h=6 m=13
